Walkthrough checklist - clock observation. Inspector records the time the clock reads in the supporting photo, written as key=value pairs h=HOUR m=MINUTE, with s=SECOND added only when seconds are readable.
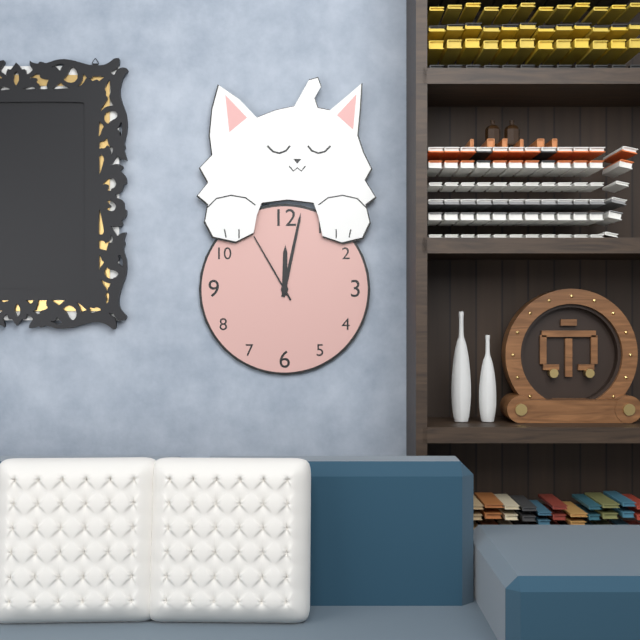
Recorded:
h=12 m=2 s=55
